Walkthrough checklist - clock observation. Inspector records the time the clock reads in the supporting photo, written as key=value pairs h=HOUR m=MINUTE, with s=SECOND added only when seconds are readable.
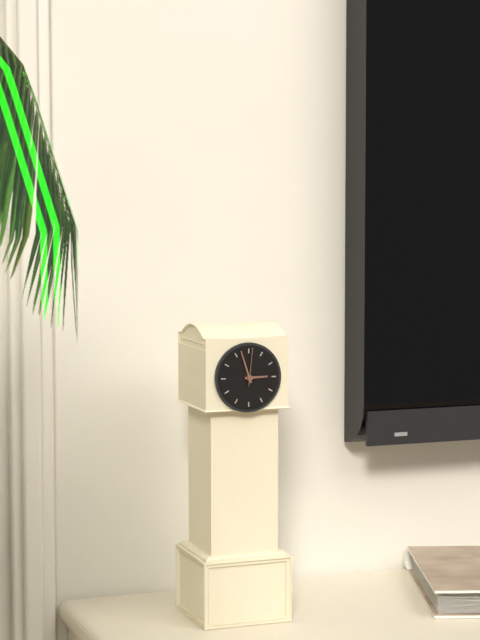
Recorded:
h=2 m=57
